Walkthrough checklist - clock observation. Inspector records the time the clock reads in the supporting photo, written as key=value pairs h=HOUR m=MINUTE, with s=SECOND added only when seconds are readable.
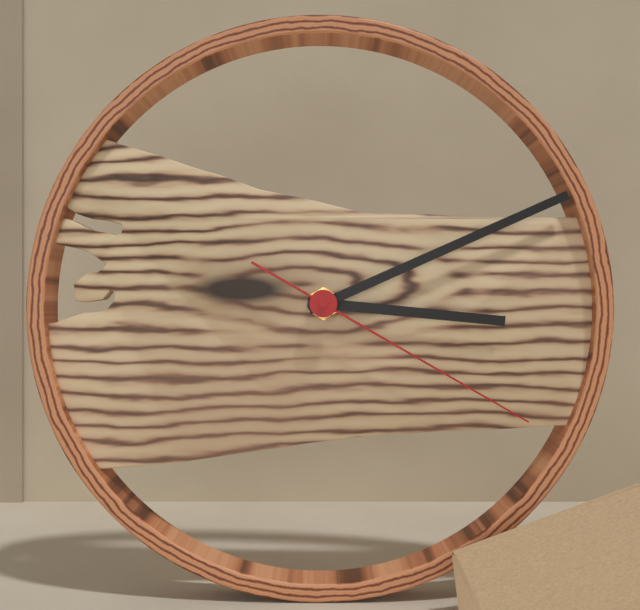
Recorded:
h=3 m=11 s=20
